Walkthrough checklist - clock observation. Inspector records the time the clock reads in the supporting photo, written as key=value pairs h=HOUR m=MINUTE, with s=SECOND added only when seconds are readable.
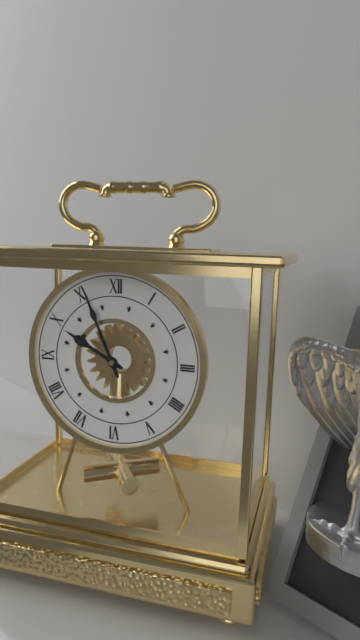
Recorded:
h=9 m=56
